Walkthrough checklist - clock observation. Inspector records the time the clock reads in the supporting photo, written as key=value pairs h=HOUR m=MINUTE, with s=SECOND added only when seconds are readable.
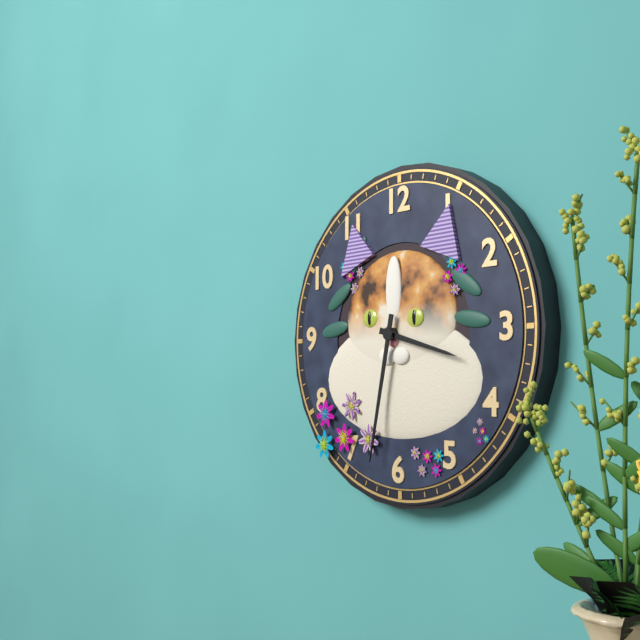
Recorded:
h=3 m=32
